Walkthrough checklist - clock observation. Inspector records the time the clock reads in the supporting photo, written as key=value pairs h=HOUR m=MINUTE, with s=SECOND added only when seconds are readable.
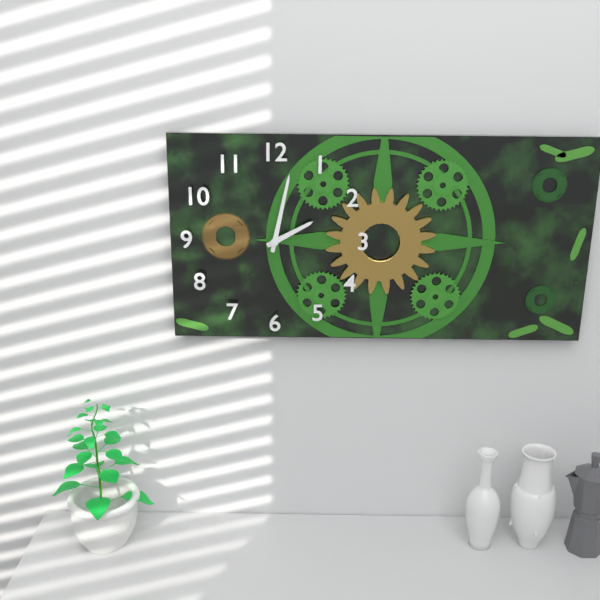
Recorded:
h=2 m=2
